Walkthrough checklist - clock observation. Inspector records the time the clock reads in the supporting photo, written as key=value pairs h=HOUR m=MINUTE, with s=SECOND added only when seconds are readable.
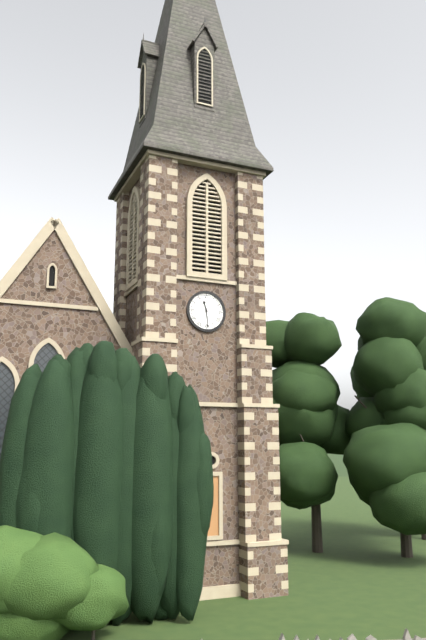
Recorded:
h=11 m=29
